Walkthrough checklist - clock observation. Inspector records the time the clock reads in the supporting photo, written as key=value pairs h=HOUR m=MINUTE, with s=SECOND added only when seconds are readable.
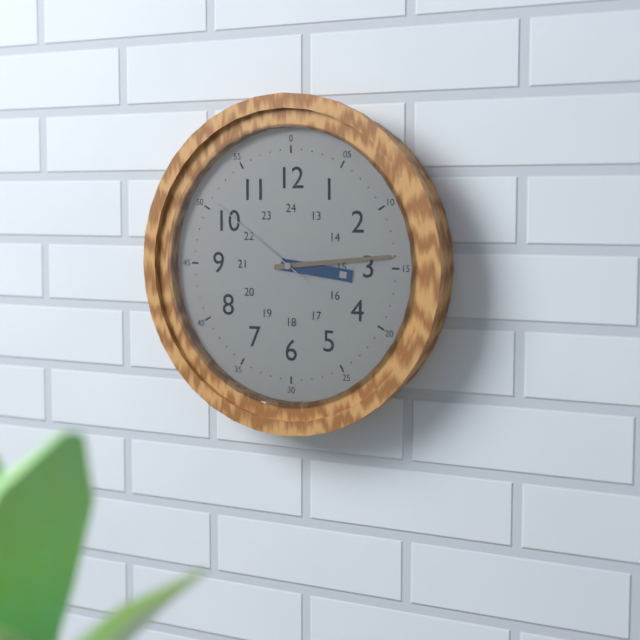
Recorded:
h=3 m=14 s=51
